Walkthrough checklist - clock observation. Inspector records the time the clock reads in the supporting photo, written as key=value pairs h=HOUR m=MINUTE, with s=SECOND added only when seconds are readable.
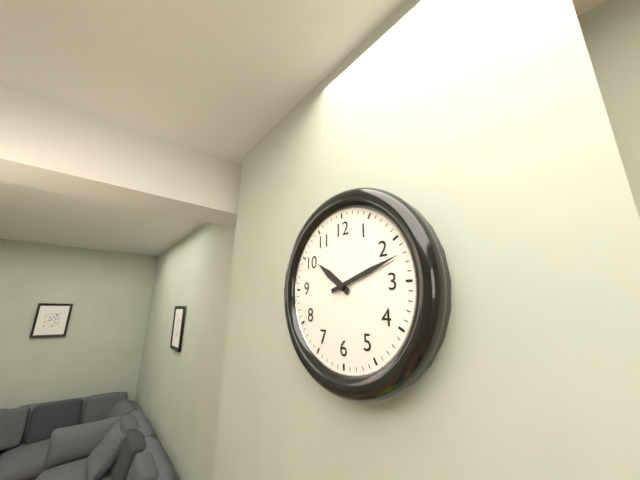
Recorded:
h=10 m=12
